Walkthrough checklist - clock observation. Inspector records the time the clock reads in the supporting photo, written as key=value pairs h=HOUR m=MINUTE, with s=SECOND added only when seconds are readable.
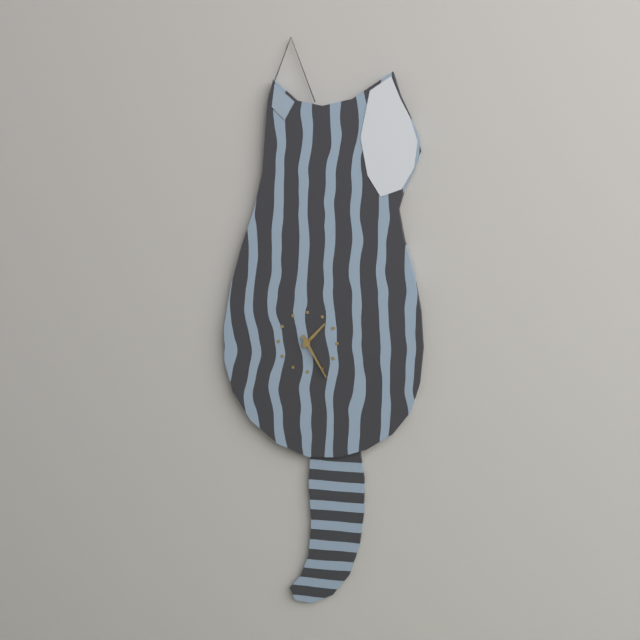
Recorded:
h=1 m=25
